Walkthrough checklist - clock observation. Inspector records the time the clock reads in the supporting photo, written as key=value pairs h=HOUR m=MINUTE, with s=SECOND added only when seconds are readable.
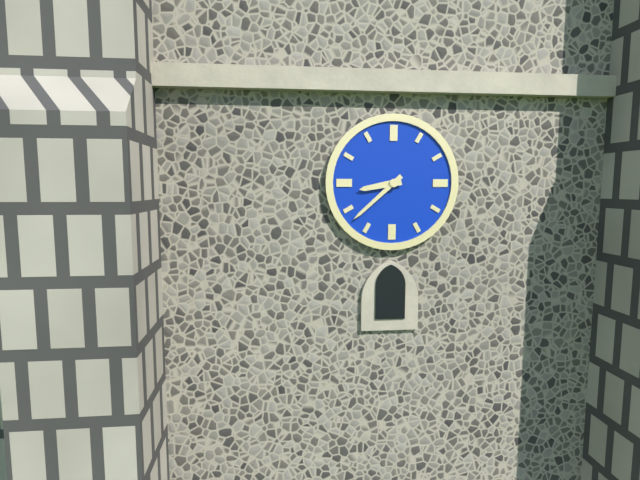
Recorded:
h=8 m=38
